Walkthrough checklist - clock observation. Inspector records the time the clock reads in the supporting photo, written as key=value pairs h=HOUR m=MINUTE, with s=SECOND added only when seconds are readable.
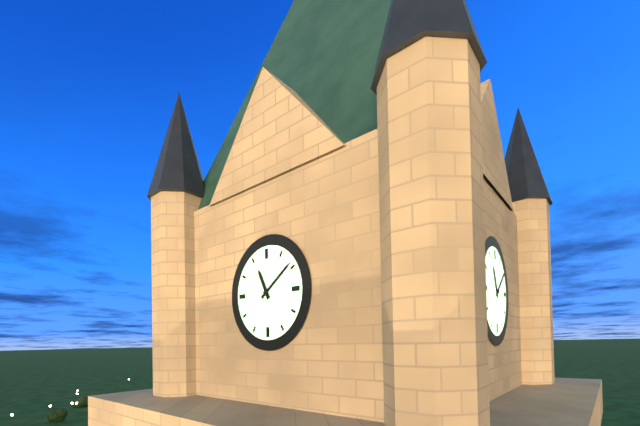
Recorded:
h=11 m=9
